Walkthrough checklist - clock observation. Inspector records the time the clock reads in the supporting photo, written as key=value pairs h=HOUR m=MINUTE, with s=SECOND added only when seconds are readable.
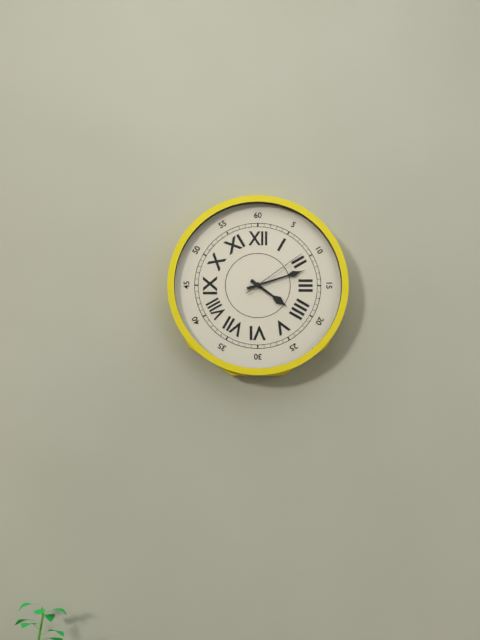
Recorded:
h=4 m=12 s=9
